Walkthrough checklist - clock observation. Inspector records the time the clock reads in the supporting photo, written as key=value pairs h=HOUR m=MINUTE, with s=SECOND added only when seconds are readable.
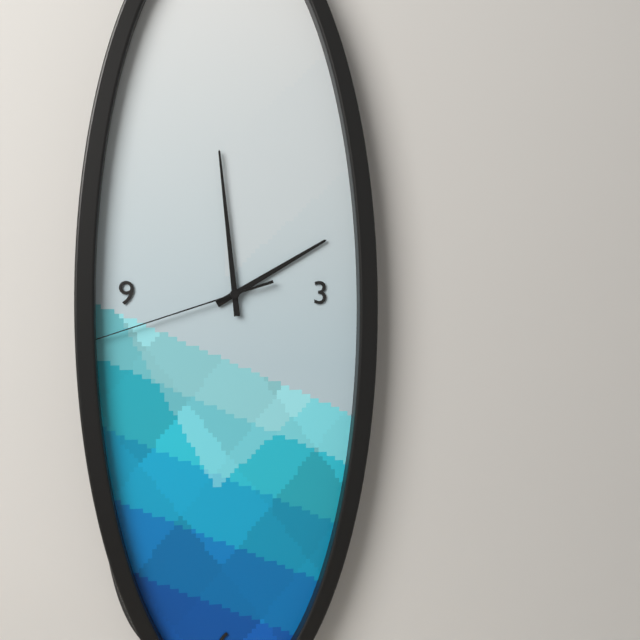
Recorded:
h=1 m=59 s=42
